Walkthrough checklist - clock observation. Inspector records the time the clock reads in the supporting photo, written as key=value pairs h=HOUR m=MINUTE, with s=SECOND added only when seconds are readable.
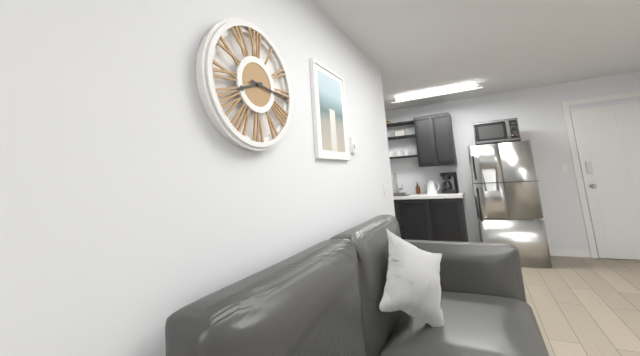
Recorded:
h=8 m=16
